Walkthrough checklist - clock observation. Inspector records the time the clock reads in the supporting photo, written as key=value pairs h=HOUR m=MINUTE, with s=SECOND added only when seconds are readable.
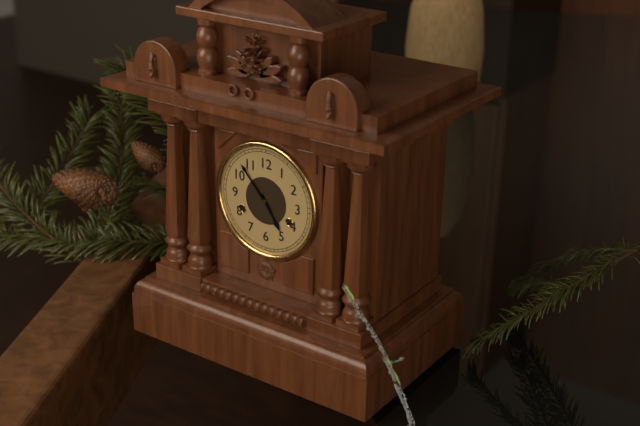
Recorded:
h=4 m=53
